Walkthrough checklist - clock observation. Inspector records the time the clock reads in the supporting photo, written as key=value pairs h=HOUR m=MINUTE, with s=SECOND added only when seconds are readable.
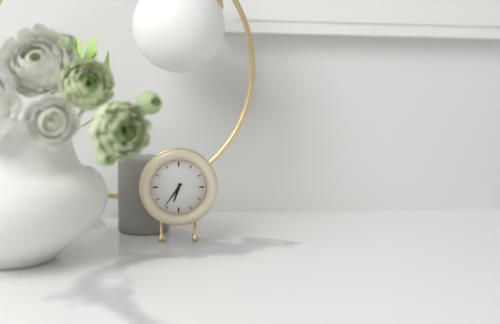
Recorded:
h=6 m=36
